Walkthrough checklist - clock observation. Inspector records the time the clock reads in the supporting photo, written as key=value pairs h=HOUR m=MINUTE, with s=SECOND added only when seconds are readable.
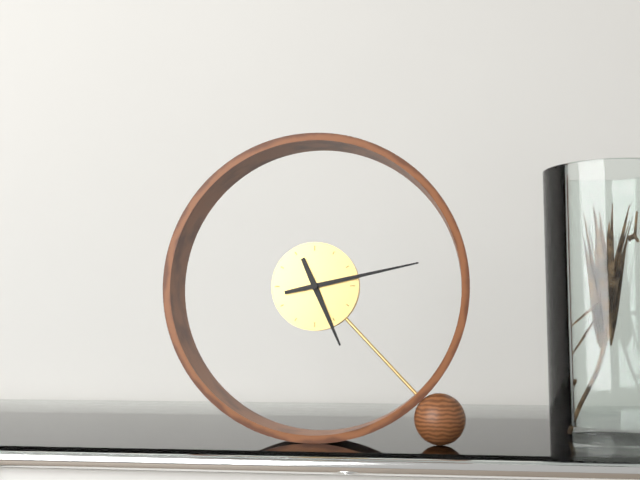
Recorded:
h=5 m=13
